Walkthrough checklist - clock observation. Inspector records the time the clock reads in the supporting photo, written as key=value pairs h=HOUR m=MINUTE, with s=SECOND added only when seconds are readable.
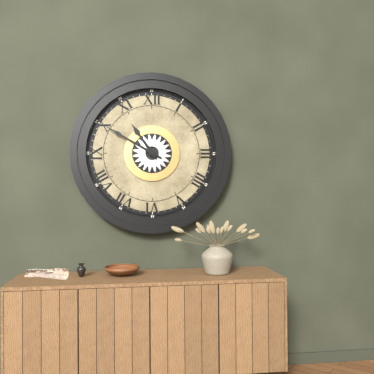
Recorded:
h=10 m=50
